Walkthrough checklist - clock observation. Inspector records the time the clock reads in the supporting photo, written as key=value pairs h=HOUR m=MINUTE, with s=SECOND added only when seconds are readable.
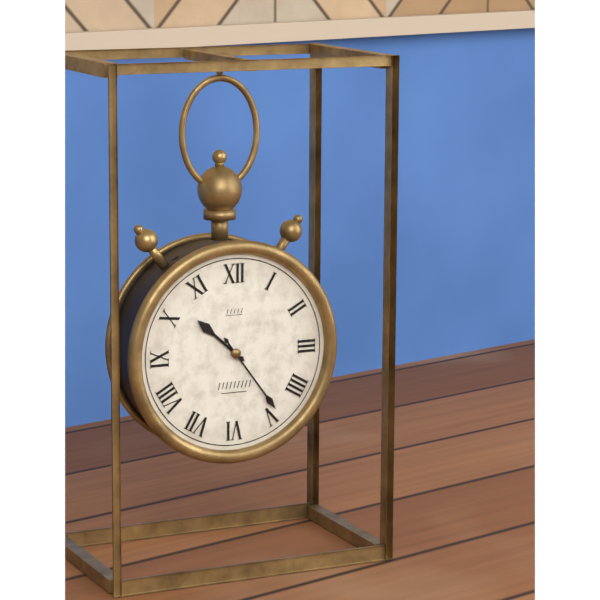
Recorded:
h=10 m=24
